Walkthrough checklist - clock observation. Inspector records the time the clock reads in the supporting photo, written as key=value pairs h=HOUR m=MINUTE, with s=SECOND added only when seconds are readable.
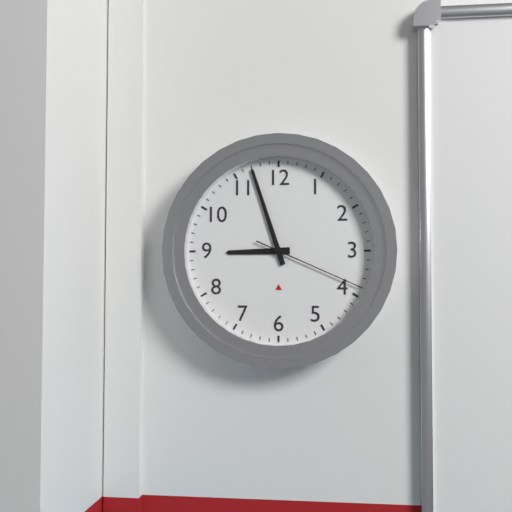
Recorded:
h=8 m=57 s=19
